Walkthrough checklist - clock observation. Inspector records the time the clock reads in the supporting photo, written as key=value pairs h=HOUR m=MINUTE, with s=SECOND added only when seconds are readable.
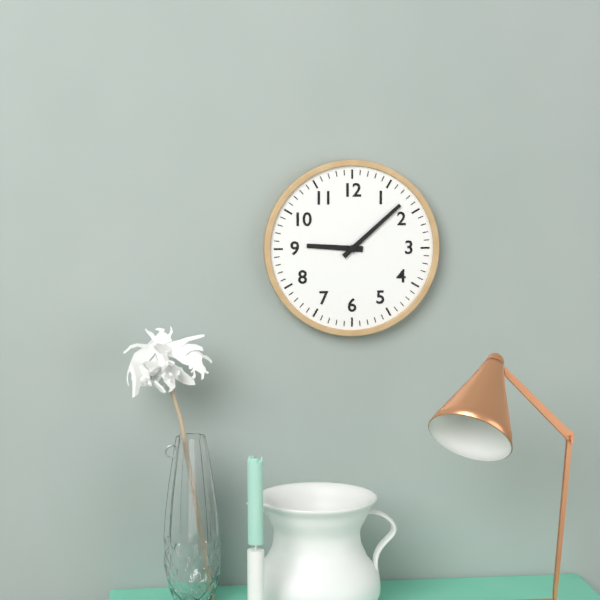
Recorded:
h=9 m=8
